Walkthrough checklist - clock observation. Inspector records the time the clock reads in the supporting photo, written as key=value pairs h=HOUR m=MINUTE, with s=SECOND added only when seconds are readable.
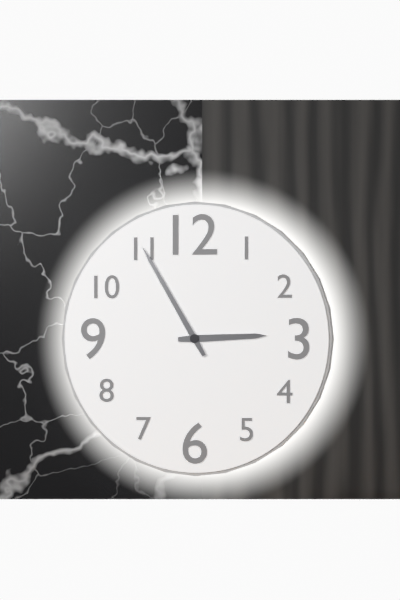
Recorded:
h=2 m=55
